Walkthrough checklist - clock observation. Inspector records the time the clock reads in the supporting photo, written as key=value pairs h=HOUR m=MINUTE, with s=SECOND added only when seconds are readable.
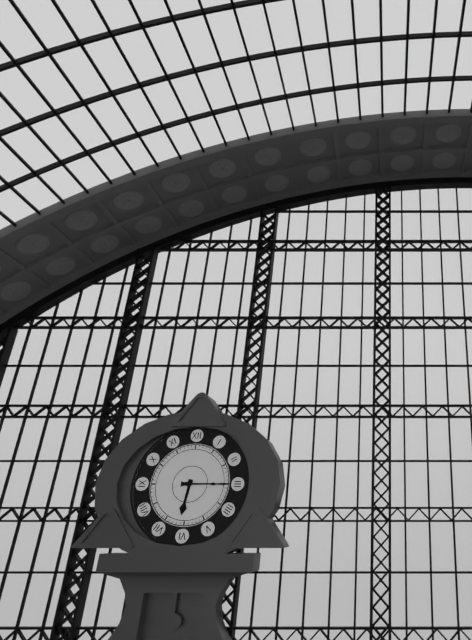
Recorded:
h=6 m=15
